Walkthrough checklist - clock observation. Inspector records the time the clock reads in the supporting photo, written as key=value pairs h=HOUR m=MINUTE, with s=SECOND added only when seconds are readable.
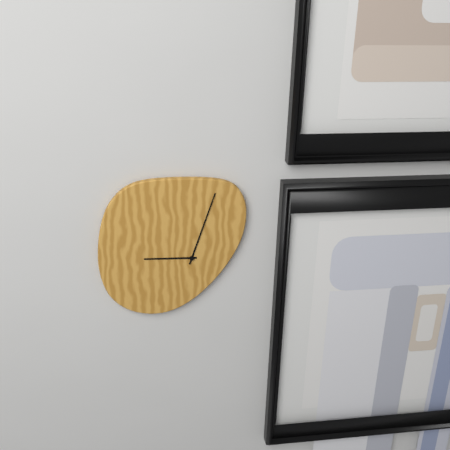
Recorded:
h=9 m=3
